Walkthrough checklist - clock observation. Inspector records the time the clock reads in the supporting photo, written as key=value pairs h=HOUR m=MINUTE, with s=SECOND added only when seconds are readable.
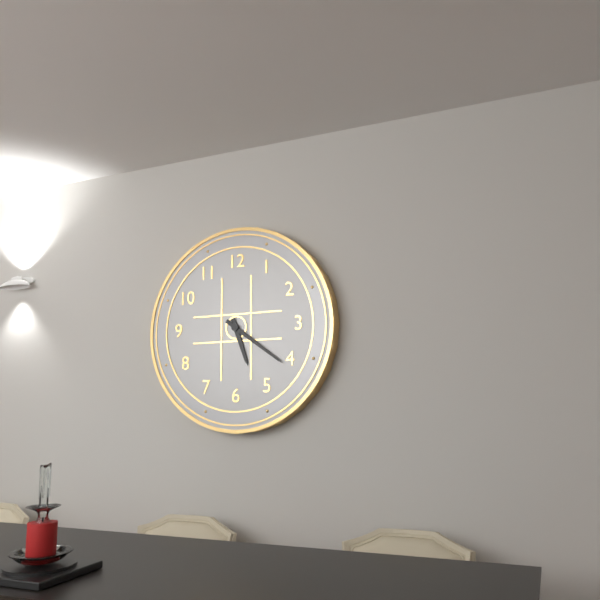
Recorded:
h=5 m=21
